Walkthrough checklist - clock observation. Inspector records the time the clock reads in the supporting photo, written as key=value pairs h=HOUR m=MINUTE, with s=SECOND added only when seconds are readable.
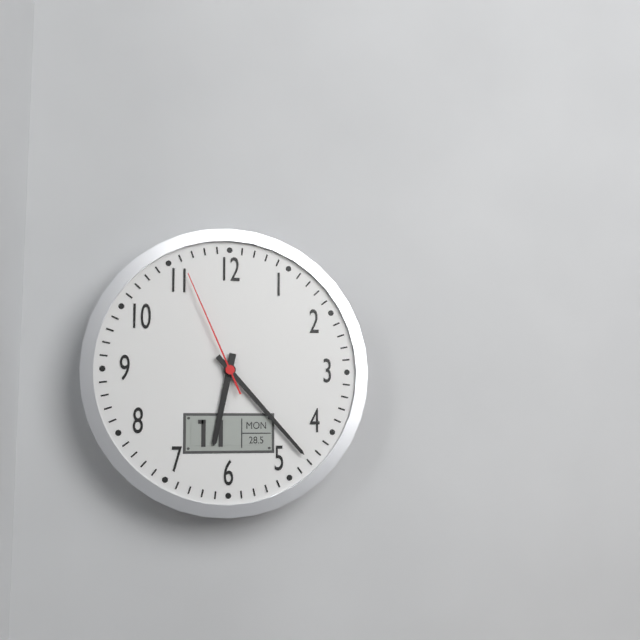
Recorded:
h=6 m=23 s=56
